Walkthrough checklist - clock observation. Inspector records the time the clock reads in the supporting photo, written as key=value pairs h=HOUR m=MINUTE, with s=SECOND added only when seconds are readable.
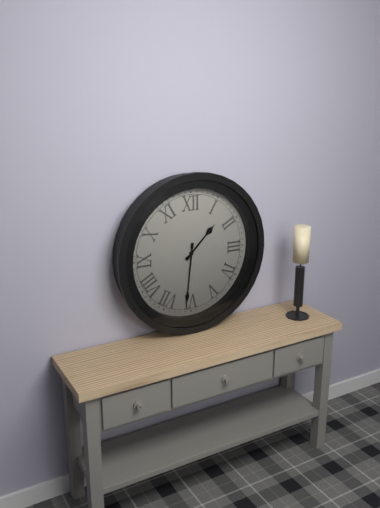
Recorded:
h=1 m=31
